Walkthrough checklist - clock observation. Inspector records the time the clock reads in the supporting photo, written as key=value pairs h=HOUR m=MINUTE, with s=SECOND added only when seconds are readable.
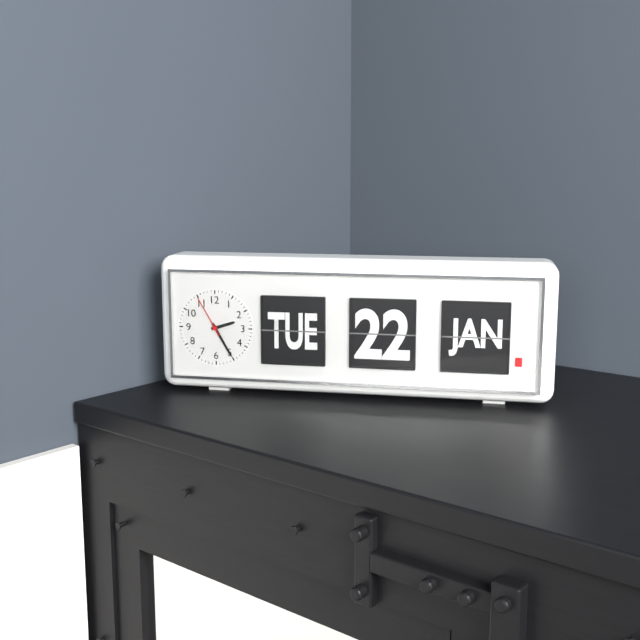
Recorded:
h=2 m=25
